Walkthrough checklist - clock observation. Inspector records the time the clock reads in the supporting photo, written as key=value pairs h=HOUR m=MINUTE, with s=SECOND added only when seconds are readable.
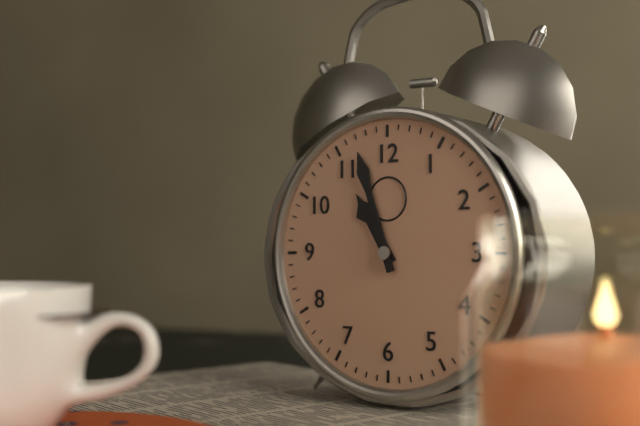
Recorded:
h=10 m=57
